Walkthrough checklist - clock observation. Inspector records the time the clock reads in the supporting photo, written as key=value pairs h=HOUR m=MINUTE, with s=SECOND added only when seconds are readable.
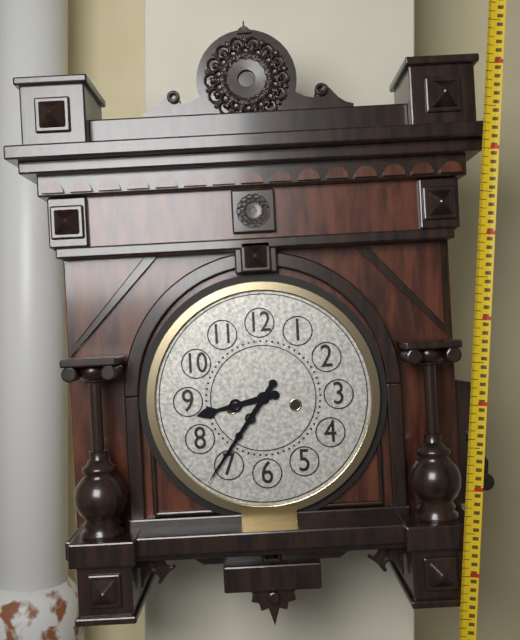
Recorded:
h=8 m=36
